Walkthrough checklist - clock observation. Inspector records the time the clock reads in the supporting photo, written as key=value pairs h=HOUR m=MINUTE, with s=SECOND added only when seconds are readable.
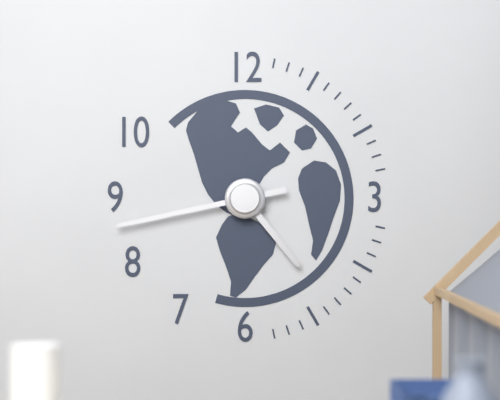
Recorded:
h=4 m=43
